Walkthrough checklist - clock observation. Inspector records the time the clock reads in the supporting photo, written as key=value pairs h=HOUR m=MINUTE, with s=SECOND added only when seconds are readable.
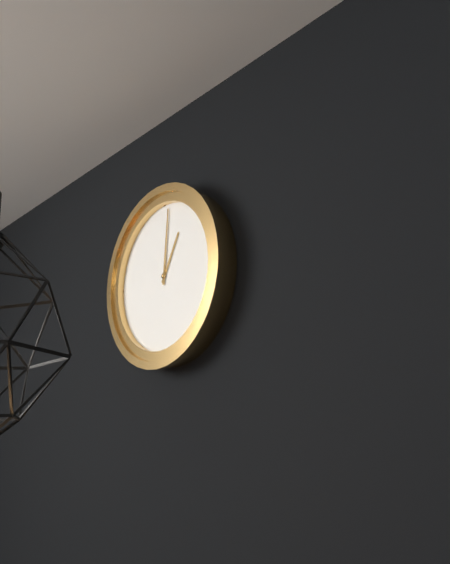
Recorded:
h=1 m=1
